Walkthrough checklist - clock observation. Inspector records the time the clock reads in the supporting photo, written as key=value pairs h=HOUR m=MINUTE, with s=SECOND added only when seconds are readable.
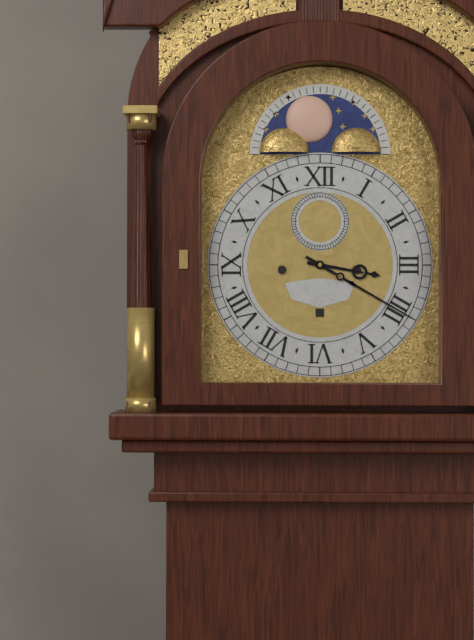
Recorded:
h=3 m=20
